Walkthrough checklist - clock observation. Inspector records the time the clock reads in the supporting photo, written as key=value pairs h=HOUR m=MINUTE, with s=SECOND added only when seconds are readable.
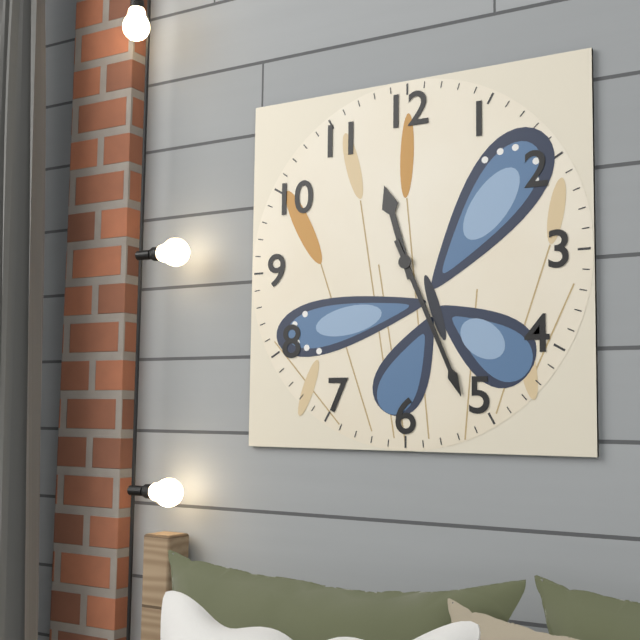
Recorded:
h=11 m=26
